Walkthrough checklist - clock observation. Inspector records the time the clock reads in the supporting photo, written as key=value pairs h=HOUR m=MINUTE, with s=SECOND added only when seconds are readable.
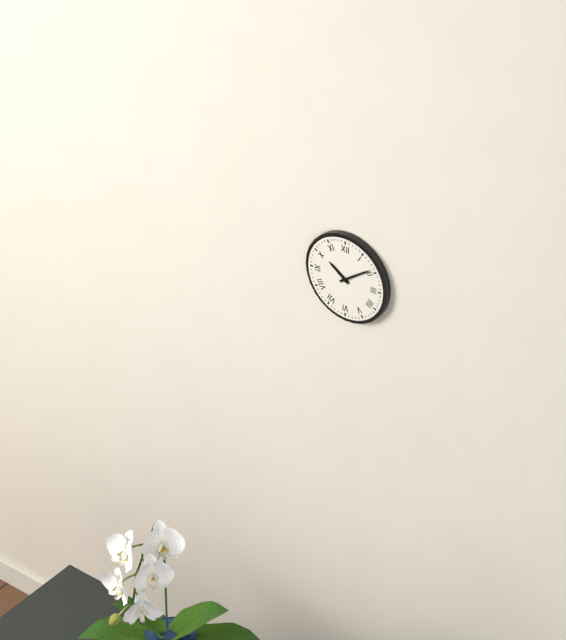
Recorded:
h=10 m=9
